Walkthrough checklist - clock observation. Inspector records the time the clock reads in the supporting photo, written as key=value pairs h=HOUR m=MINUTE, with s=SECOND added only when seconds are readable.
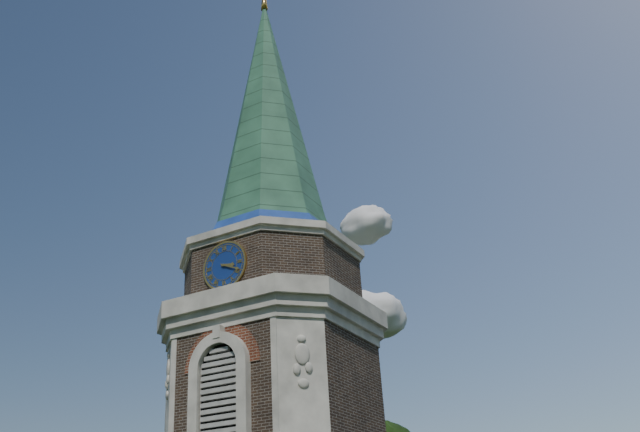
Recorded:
h=3 m=19
